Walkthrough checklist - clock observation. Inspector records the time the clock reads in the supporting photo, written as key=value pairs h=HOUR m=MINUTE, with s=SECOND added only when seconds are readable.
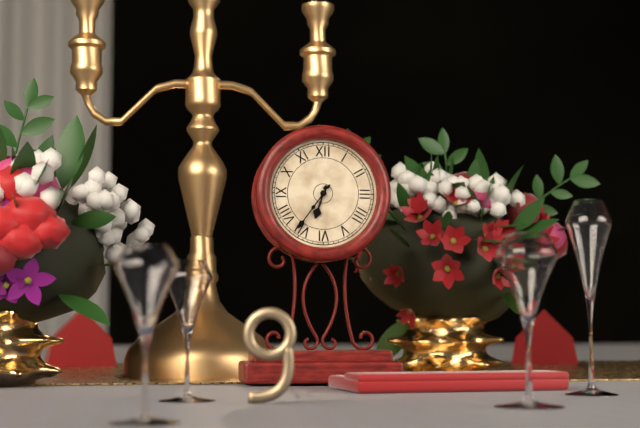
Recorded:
h=6 m=36
